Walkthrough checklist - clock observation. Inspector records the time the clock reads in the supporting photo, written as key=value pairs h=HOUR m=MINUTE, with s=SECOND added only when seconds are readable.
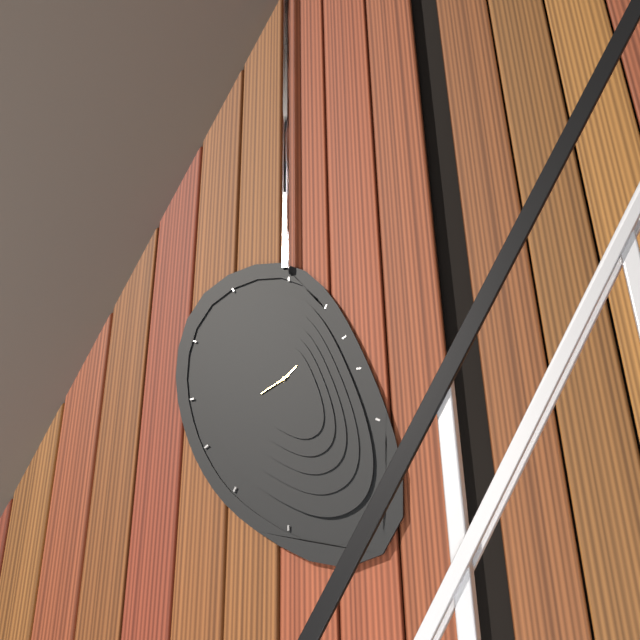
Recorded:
h=1 m=41
